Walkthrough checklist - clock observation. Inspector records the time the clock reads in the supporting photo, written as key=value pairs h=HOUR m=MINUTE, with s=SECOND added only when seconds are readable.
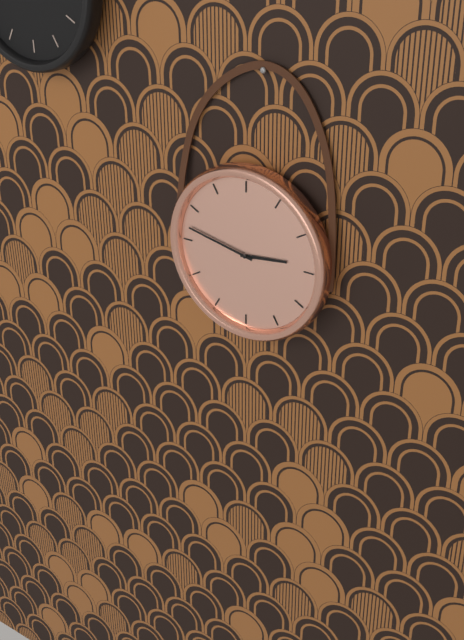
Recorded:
h=2 m=47
